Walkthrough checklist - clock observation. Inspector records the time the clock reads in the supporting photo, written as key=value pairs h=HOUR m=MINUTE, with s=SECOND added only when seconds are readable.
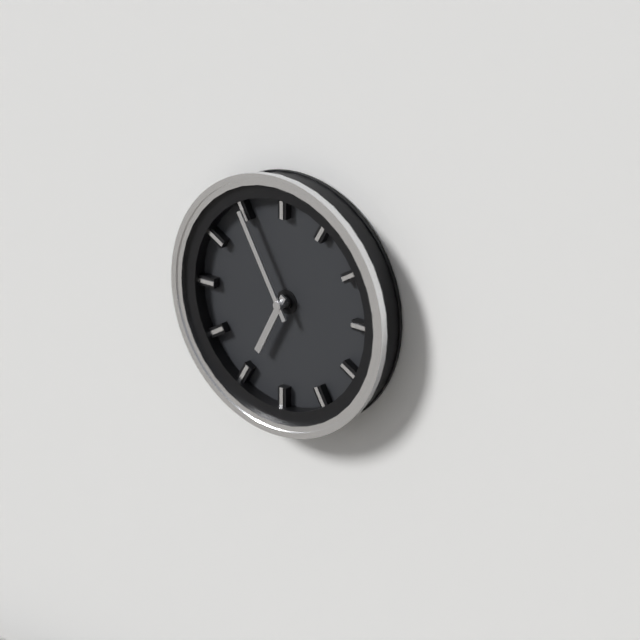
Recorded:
h=6 m=55
